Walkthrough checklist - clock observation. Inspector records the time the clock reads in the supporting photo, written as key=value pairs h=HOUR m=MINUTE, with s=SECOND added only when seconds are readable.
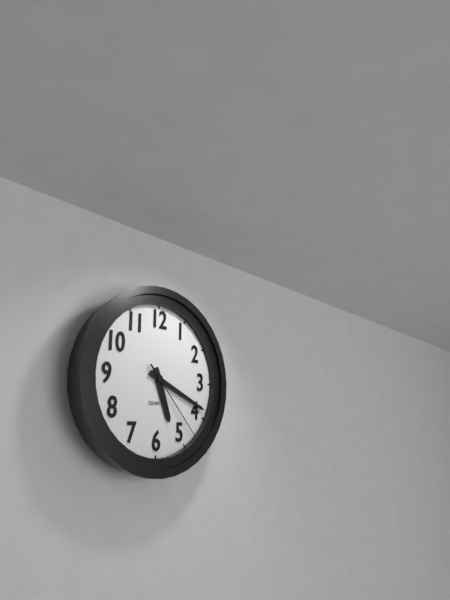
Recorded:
h=5 m=19 s=23
